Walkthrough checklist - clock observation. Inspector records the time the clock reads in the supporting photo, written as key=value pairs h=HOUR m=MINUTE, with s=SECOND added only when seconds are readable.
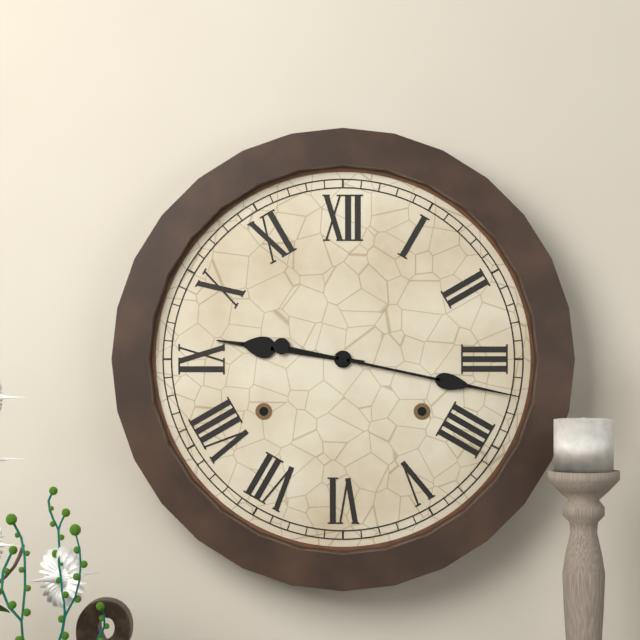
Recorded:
h=9 m=17
